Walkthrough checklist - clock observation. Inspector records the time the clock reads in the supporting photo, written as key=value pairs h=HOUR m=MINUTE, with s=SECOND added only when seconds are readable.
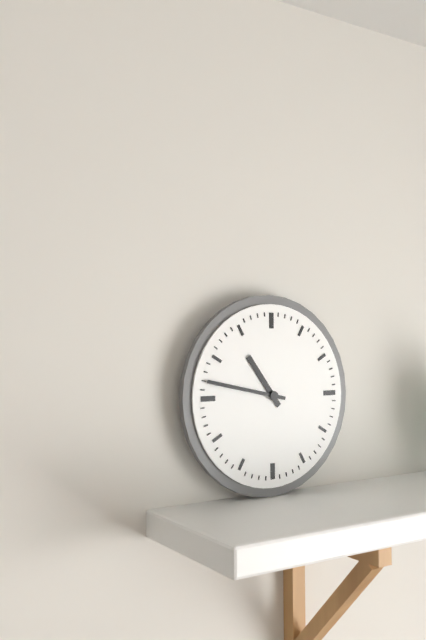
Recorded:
h=10 m=47
